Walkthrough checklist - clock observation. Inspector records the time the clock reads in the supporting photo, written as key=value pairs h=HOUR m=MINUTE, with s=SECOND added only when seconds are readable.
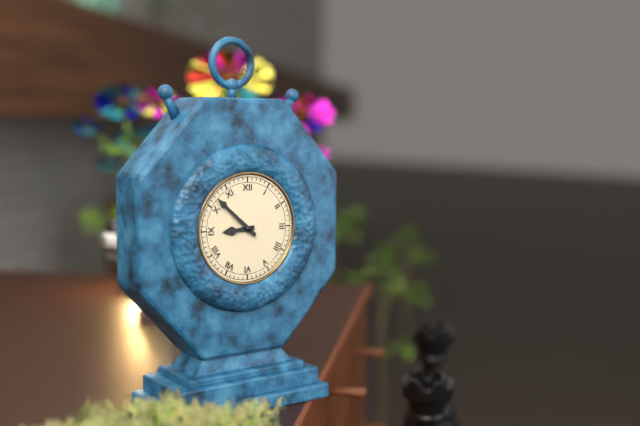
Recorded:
h=8 m=52
